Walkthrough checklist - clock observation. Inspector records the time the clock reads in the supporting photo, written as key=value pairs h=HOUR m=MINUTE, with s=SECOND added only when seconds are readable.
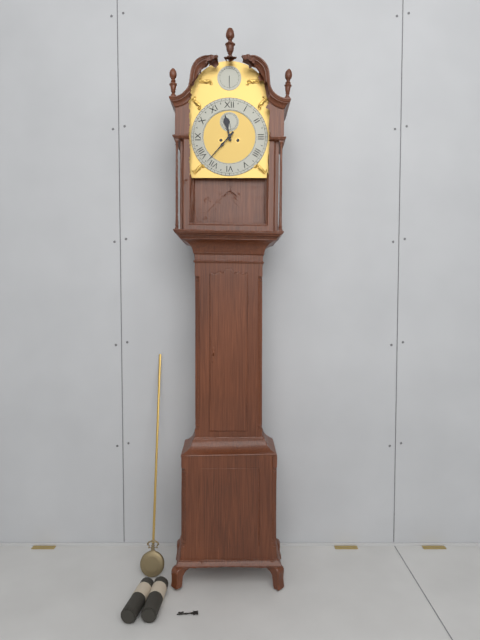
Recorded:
h=11 m=37
